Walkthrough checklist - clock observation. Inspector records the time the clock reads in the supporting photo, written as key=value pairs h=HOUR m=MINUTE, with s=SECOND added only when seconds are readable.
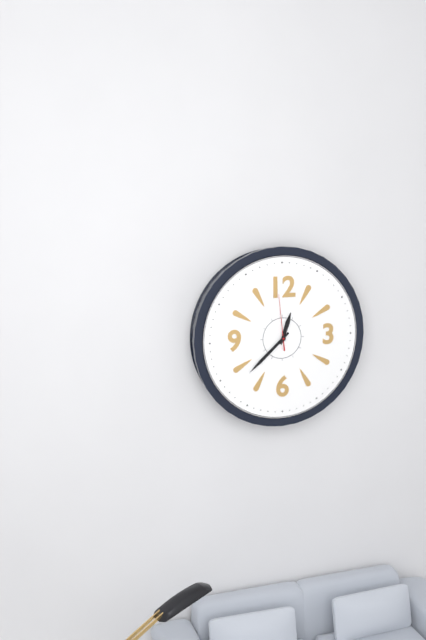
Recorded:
h=12 m=38 s=59
